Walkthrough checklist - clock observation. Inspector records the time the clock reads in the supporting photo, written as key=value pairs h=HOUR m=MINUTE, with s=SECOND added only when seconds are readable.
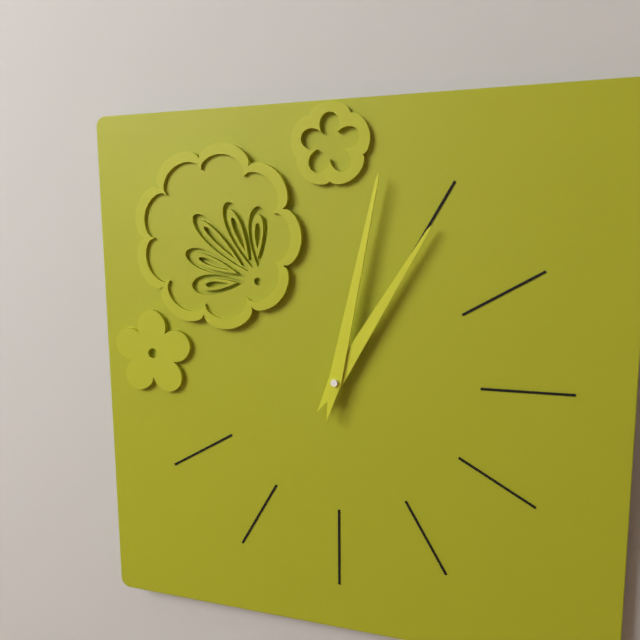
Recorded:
h=1 m=2
